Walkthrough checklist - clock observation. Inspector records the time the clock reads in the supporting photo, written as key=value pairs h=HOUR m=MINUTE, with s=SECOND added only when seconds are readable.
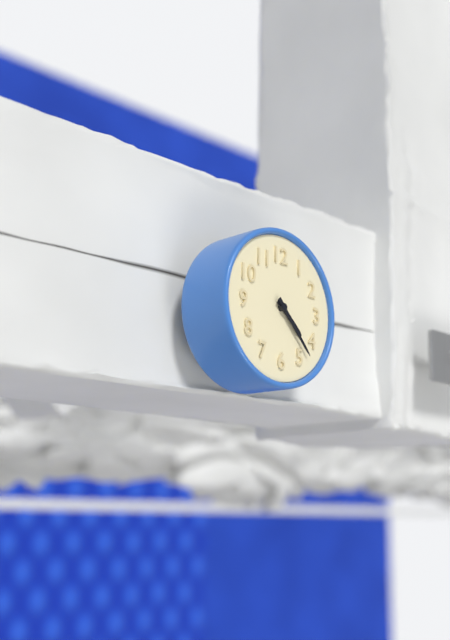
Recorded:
h=4 m=23
